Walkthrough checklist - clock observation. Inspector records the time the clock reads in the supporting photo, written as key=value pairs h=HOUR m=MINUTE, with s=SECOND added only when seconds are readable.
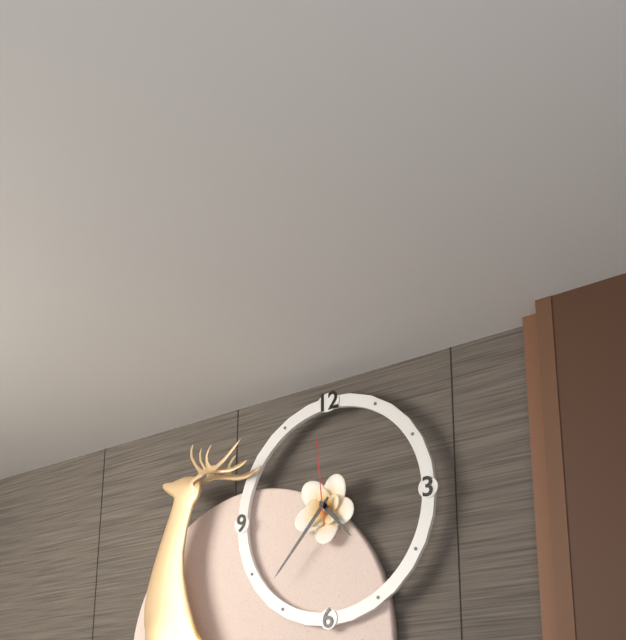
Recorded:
h=4 m=37 s=59
